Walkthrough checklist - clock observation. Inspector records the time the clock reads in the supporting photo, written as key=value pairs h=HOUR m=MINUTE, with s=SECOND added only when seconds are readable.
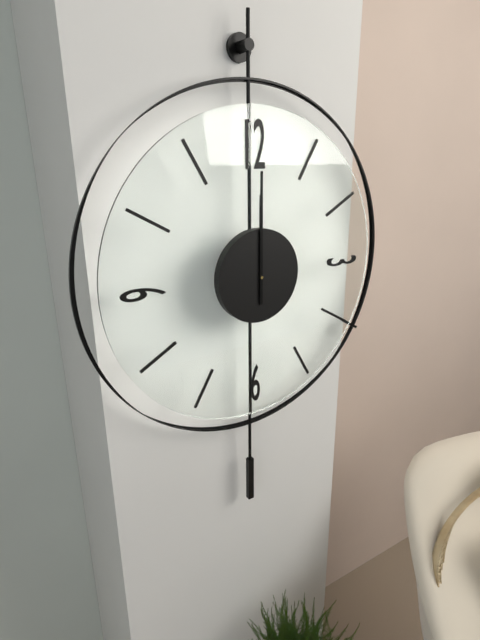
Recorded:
h=12 m=0
